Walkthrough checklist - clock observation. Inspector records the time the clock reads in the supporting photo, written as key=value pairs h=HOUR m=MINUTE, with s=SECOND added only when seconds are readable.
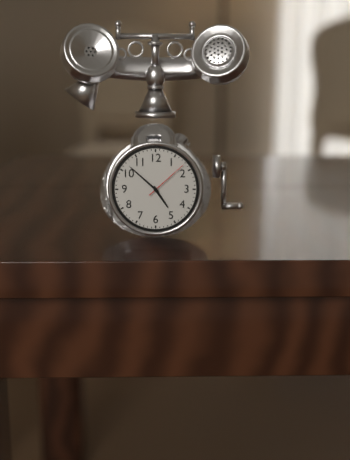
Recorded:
h=4 m=52
